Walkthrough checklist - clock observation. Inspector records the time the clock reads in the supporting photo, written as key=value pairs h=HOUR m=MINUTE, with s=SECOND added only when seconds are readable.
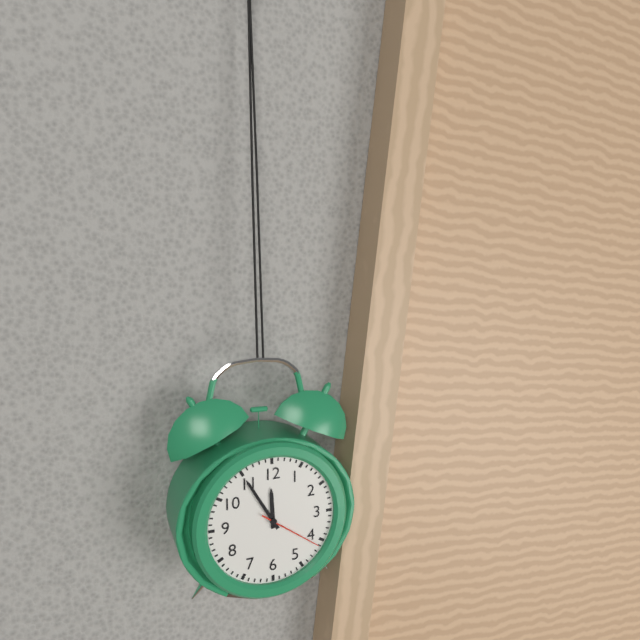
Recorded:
h=11 m=55 s=21
